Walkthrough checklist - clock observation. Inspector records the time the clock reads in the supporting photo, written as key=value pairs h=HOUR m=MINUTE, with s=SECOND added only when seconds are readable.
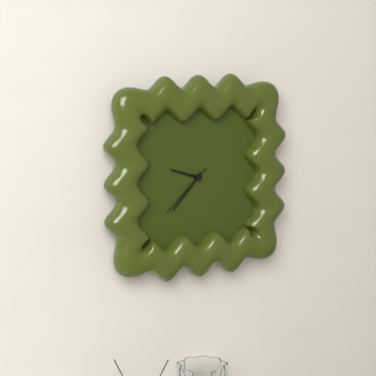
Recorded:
h=9 m=37 s=38
